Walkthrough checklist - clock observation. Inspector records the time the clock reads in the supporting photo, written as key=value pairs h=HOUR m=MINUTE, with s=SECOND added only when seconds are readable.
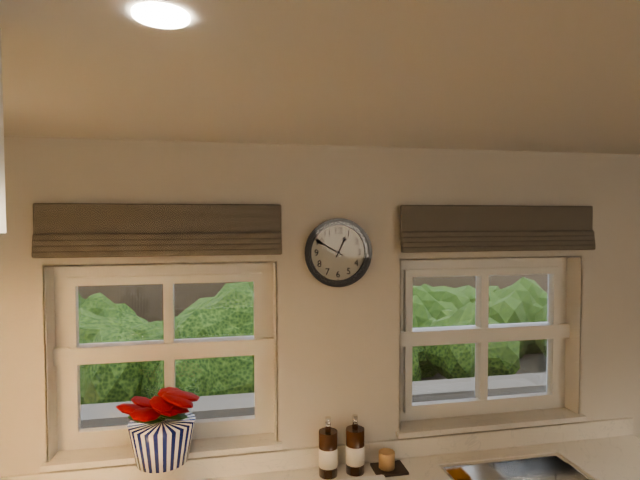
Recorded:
h=12 m=50
